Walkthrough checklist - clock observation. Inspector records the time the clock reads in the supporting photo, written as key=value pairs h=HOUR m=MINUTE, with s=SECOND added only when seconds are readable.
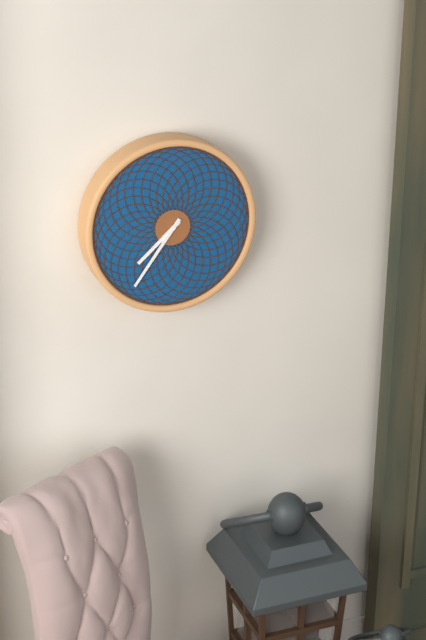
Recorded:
h=7 m=36
